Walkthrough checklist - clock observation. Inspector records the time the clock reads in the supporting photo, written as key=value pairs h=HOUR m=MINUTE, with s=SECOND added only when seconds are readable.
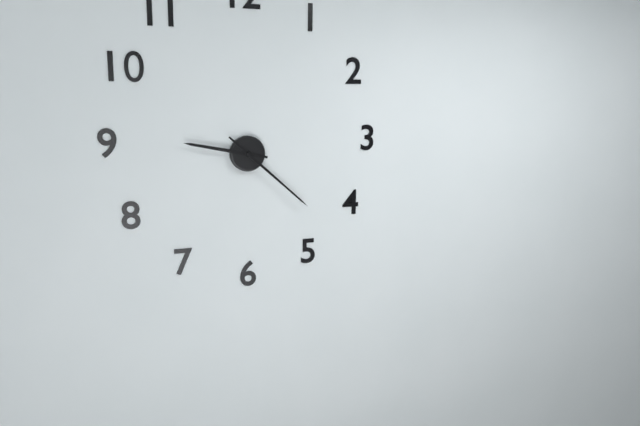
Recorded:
h=9 m=22
